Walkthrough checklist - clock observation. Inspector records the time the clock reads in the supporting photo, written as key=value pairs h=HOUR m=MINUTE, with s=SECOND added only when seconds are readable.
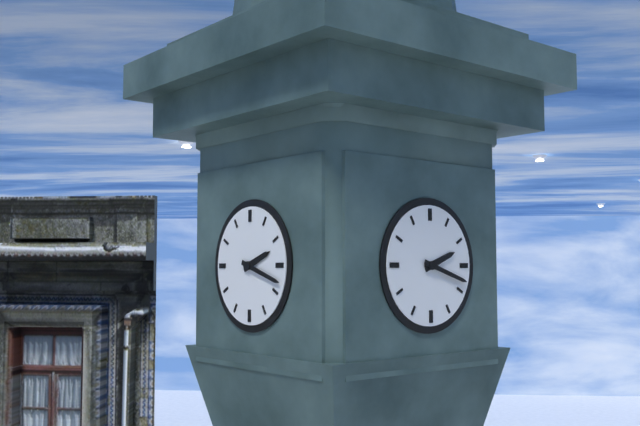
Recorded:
h=2 m=18
